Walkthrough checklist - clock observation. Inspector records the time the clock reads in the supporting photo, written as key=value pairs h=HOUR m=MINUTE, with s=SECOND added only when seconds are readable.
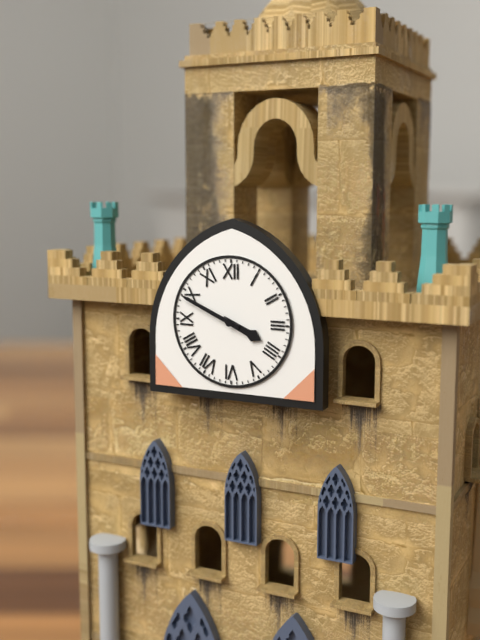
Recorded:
h=3 m=49
